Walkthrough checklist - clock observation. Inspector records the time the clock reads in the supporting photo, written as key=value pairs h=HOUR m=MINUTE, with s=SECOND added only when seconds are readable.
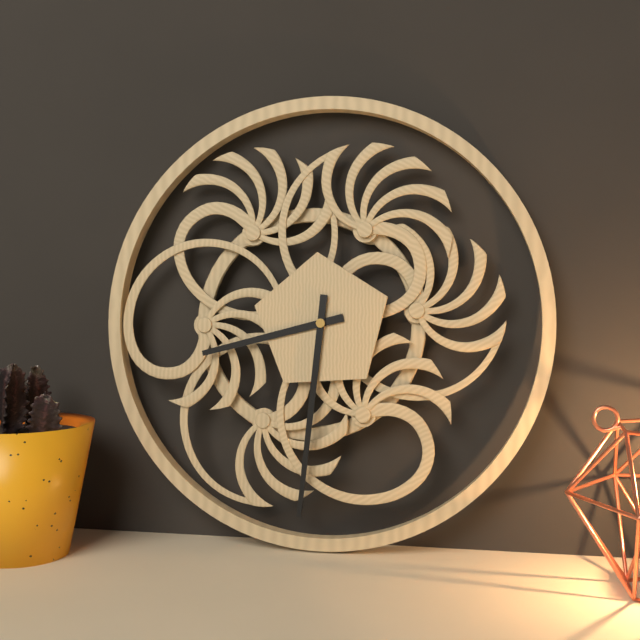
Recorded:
h=8 m=31
